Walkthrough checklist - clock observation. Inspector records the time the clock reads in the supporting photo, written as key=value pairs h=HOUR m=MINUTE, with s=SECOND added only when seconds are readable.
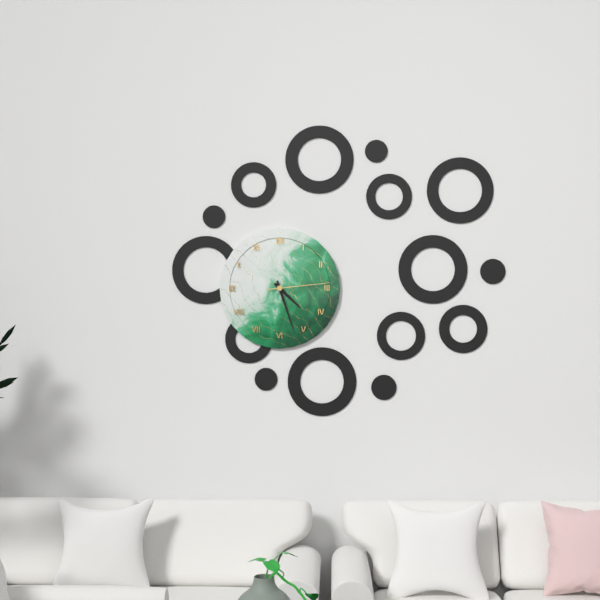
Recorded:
h=4 m=27 s=14
